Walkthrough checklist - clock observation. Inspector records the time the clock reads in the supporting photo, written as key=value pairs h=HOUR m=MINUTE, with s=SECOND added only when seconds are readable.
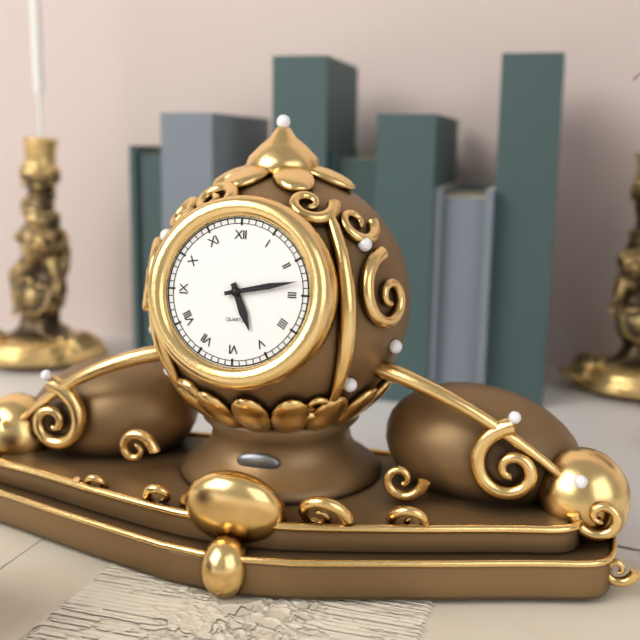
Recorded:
h=5 m=13
